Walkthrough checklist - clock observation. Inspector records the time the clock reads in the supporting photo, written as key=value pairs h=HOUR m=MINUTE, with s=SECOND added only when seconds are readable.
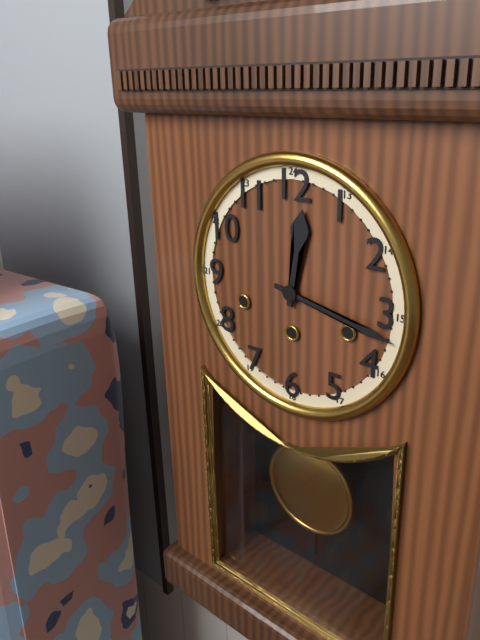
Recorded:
h=12 m=17
